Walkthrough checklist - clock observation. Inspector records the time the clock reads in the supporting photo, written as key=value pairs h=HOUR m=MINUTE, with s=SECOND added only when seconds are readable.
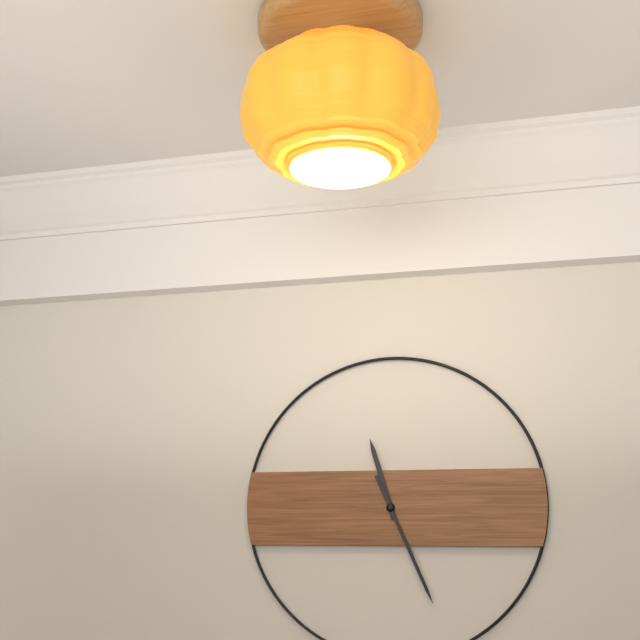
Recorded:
h=11 m=26
